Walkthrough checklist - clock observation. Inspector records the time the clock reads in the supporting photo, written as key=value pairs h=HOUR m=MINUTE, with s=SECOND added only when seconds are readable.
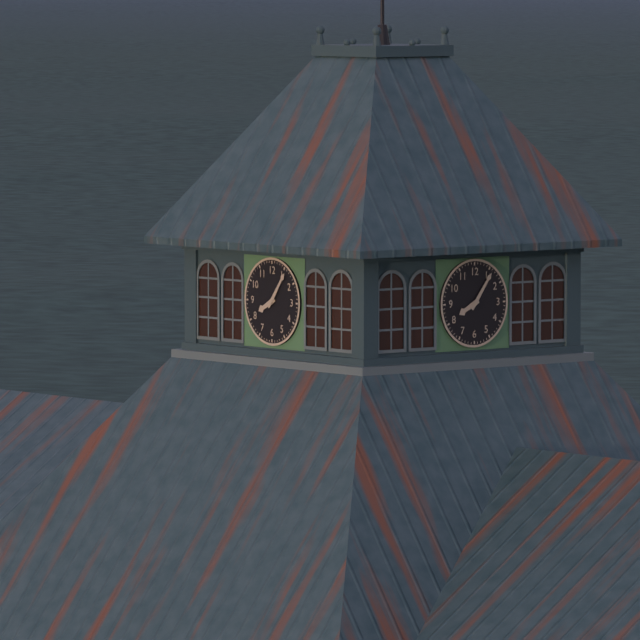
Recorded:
h=8 m=6
